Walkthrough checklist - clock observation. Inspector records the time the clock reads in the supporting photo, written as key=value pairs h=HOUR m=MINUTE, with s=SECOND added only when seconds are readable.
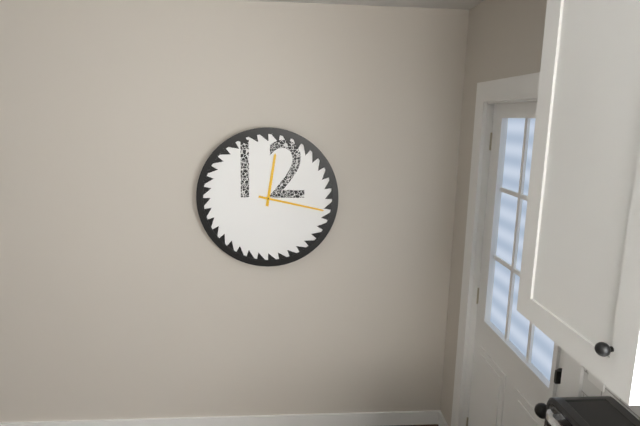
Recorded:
h=12 m=17
